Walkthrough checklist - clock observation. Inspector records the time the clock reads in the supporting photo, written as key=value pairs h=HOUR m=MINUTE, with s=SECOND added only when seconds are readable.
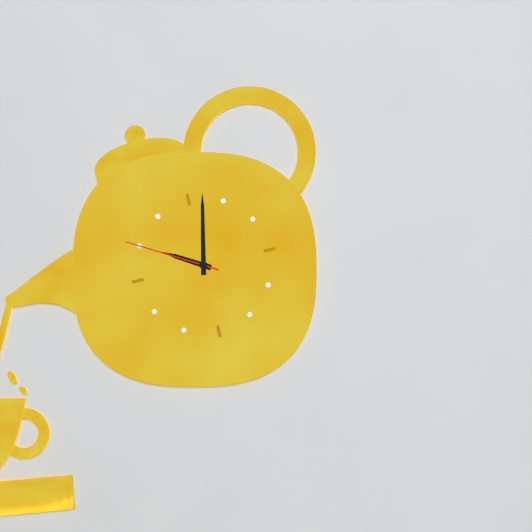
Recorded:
h=10 m=2 s=50
